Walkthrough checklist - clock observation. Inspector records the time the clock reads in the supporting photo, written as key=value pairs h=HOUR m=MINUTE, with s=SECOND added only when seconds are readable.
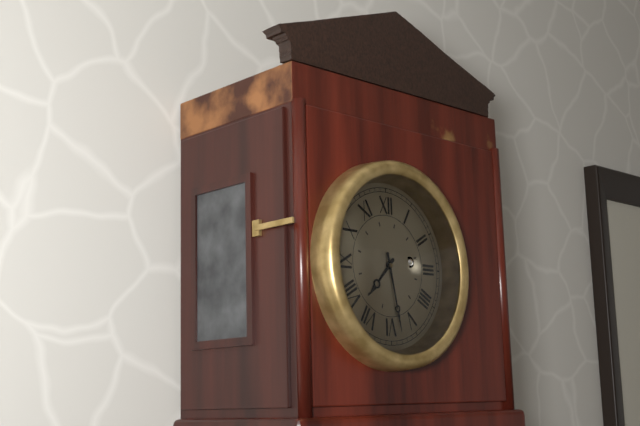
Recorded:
h=7 m=28
